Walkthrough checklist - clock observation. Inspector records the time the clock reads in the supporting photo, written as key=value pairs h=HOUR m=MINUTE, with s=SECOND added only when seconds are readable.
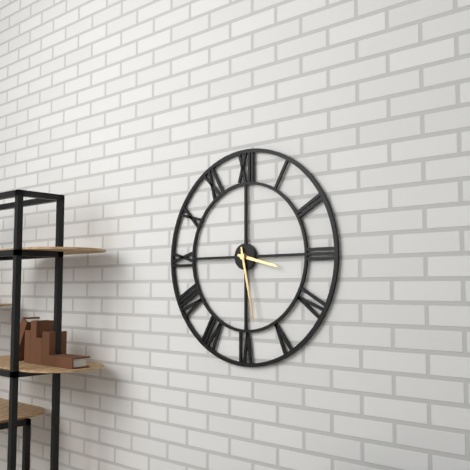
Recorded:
h=3 m=28
